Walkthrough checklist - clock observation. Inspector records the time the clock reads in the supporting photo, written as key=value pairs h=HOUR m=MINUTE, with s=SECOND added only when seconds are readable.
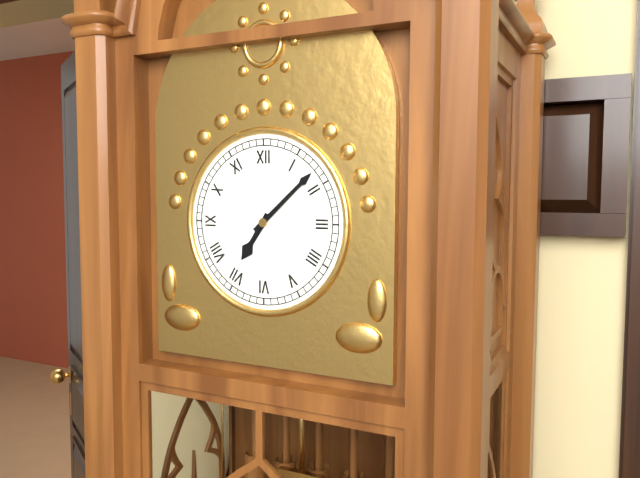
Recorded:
h=7 m=8
